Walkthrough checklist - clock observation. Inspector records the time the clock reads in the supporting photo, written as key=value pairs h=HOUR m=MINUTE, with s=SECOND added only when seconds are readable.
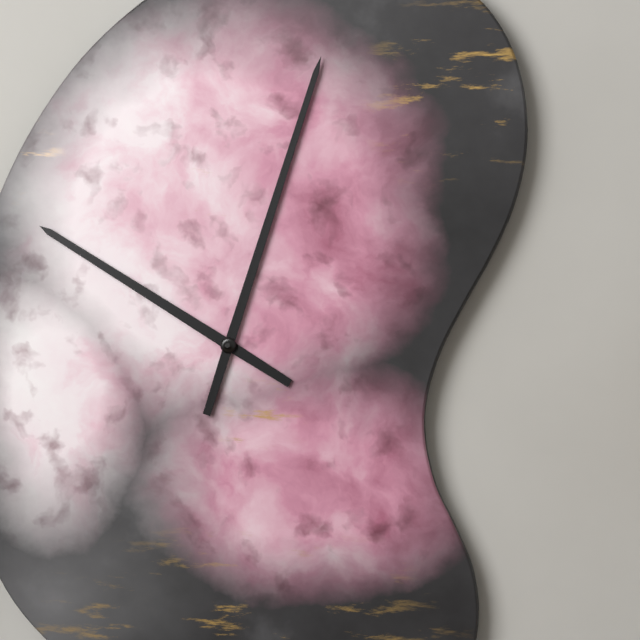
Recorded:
h=10 m=3
